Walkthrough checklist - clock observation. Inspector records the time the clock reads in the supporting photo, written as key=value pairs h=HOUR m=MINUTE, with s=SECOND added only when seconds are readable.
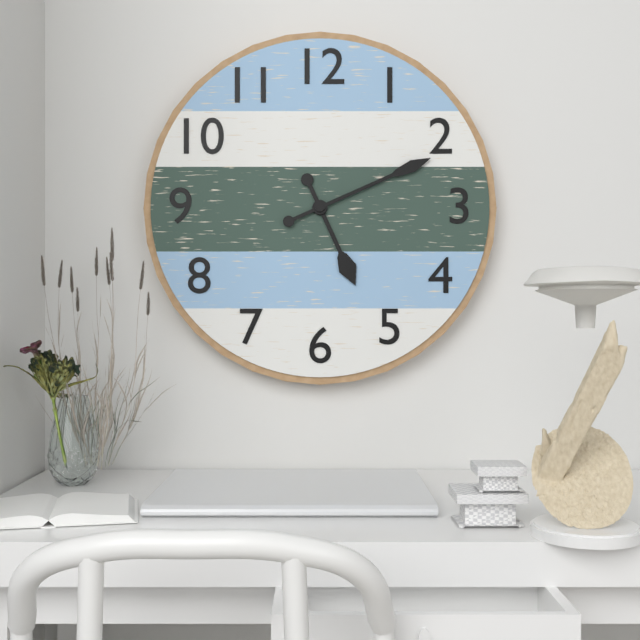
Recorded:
h=5 m=11
